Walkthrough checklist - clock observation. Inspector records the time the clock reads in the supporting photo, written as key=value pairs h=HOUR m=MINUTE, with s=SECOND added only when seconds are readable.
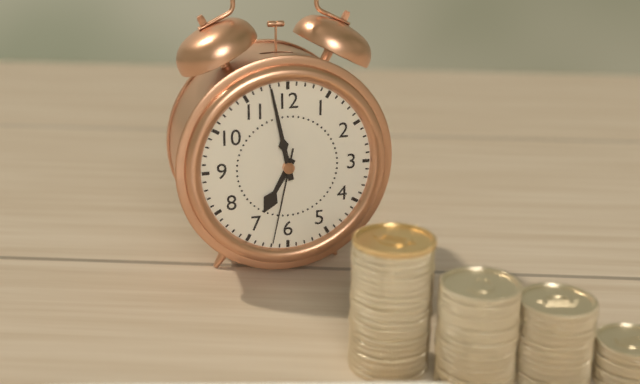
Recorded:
h=6 m=58 s=32
